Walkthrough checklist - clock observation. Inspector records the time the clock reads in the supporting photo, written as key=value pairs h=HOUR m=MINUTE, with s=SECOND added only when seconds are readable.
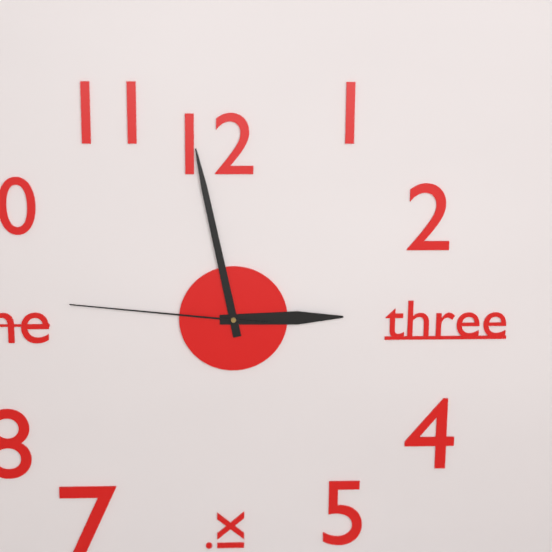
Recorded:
h=2 m=58 s=46
